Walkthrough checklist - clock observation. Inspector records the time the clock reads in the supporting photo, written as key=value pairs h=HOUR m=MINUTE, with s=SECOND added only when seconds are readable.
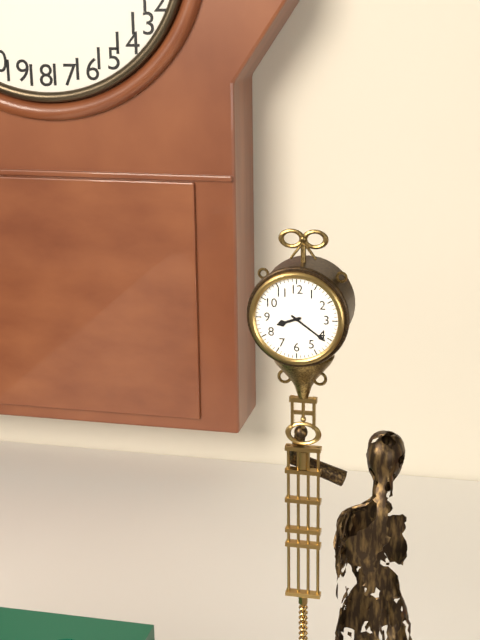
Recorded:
h=8 m=21
